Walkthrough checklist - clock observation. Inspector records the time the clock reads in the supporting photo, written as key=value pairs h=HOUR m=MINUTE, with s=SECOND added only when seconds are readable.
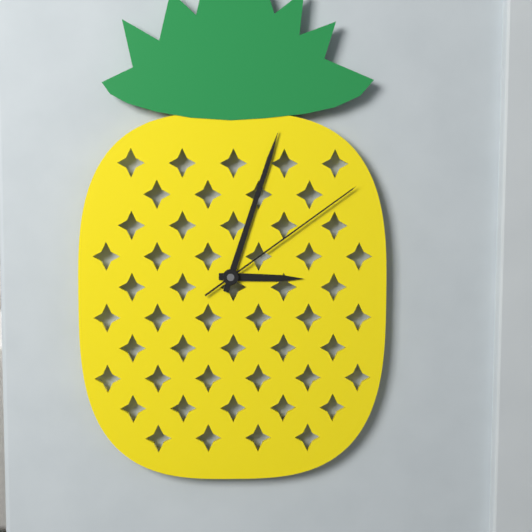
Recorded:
h=3 m=3 s=9
